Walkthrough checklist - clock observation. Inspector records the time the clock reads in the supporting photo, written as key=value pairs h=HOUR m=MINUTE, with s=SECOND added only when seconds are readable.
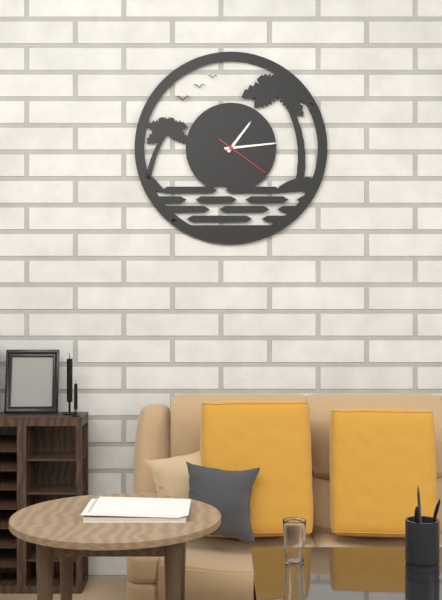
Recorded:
h=1 m=14 s=21
